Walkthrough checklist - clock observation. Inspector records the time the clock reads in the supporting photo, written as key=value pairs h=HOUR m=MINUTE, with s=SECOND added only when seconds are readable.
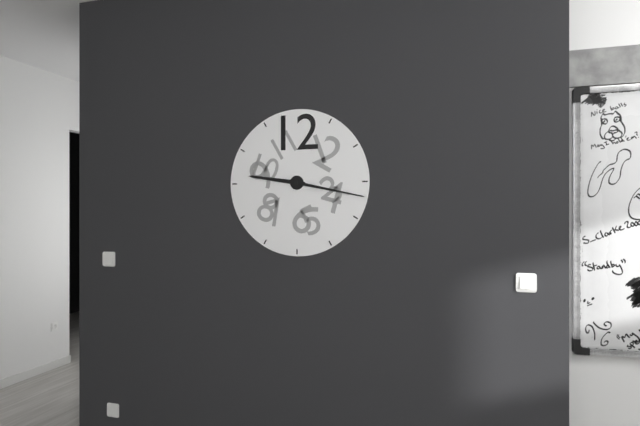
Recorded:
h=9 m=17
